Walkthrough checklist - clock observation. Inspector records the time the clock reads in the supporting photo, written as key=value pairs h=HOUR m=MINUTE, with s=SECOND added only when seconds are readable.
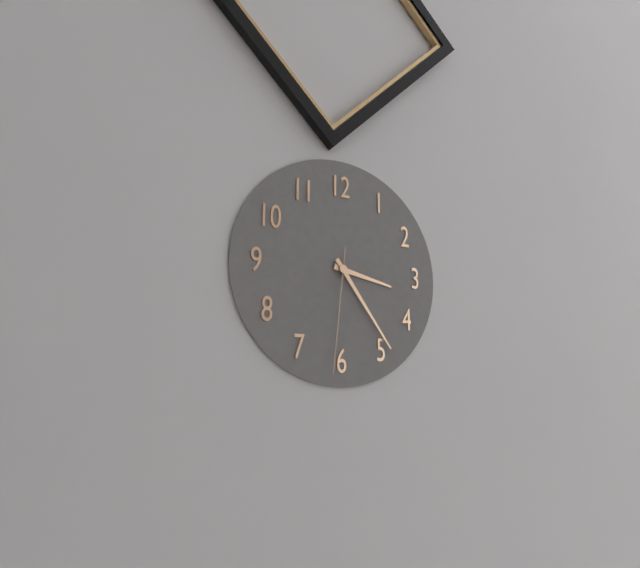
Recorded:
h=3 m=24 s=31
